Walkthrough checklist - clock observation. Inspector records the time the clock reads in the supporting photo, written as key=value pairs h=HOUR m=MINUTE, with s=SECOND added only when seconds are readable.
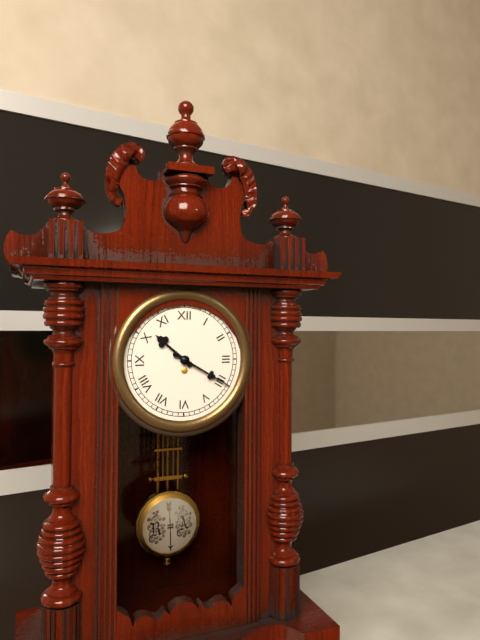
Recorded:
h=10 m=20
